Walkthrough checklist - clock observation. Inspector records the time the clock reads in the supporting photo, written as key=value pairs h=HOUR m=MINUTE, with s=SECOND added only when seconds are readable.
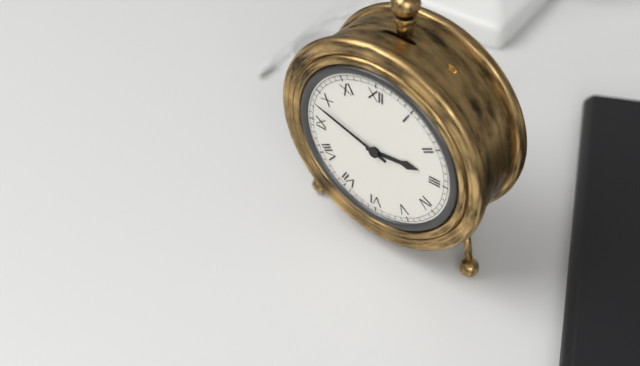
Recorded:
h=2 m=48
